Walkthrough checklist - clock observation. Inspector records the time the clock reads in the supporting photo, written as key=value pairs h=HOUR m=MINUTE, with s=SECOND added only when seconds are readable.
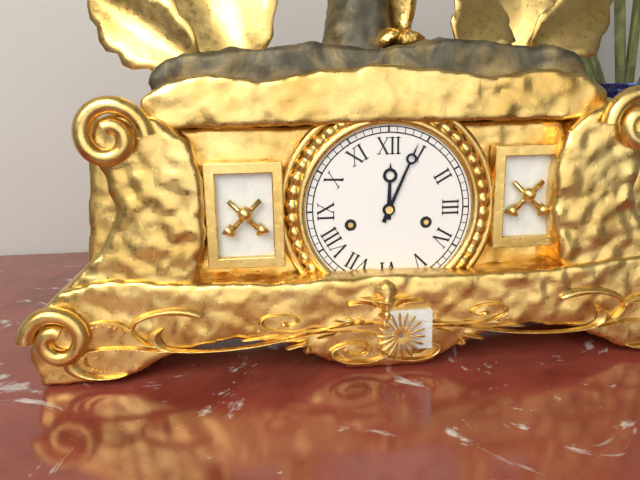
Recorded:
h=12 m=4
